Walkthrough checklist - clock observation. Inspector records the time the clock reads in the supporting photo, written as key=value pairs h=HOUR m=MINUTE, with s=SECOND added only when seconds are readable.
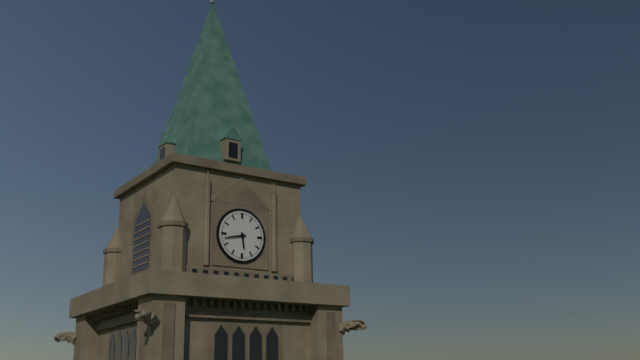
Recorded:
h=5 m=43
